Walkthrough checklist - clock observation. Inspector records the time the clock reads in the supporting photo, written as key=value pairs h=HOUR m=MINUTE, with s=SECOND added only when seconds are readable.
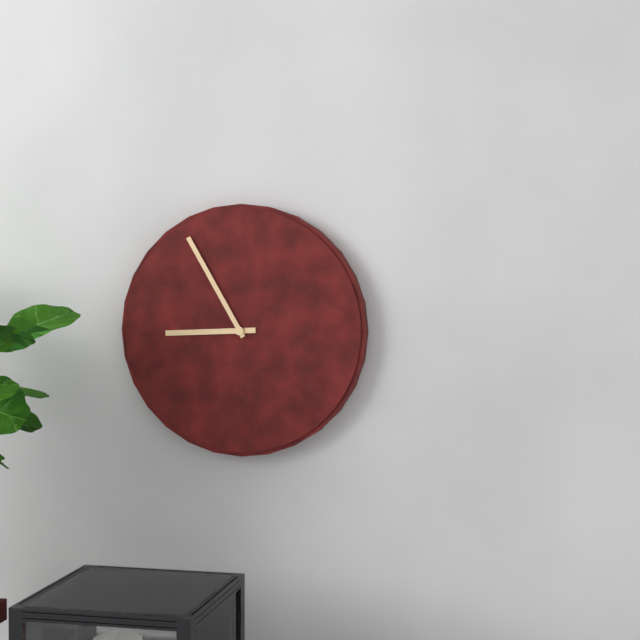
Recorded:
h=8 m=55
